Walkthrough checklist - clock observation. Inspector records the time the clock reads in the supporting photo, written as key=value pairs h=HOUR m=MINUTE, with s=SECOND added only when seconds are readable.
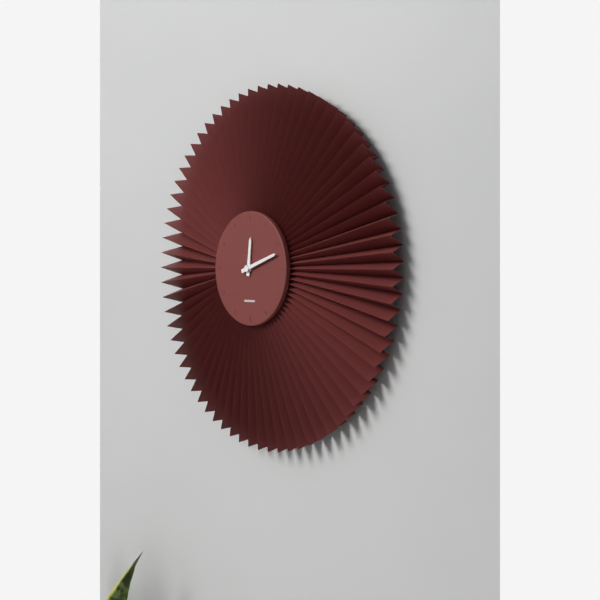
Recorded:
h=12 m=12
